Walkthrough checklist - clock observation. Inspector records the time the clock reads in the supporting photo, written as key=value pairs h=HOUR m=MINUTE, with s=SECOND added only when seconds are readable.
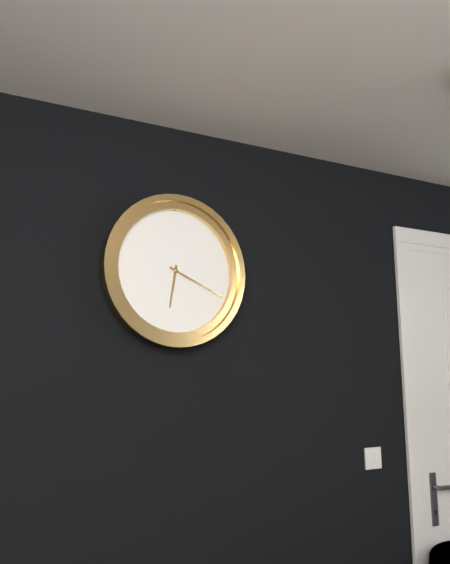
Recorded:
h=6 m=19
